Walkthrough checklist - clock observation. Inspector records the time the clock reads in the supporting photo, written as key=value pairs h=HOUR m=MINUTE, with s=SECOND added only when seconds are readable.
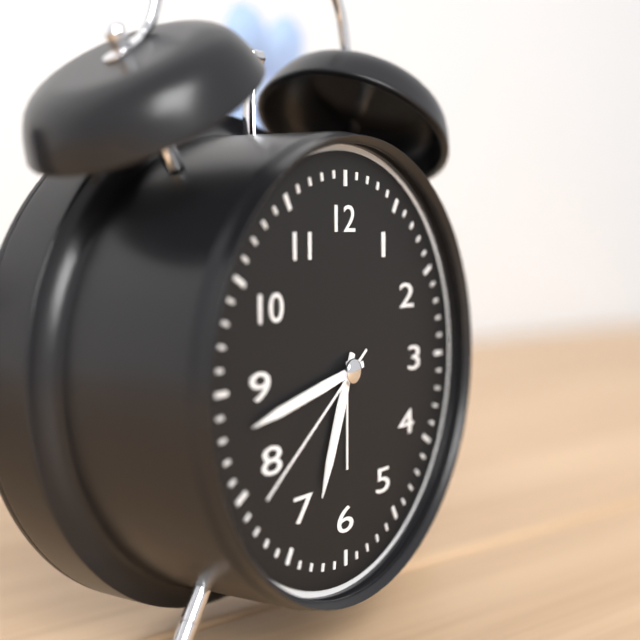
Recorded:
h=6 m=43 s=39
